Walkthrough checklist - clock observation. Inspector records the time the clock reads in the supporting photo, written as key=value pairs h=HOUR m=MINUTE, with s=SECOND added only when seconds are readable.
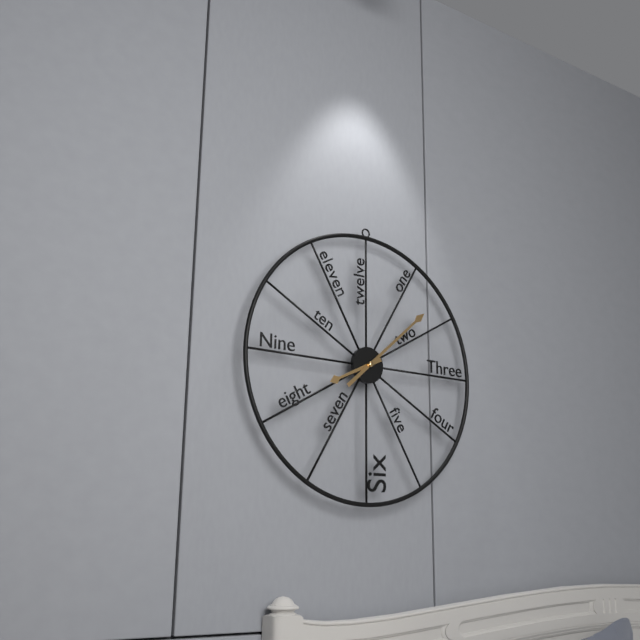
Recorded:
h=8 m=8
